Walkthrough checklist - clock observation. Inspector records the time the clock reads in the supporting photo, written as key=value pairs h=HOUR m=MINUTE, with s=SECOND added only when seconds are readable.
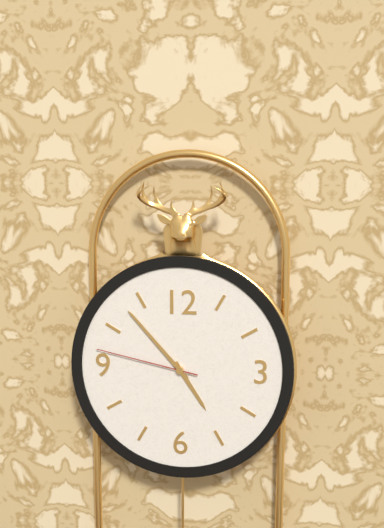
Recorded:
h=4 m=53 s=47
